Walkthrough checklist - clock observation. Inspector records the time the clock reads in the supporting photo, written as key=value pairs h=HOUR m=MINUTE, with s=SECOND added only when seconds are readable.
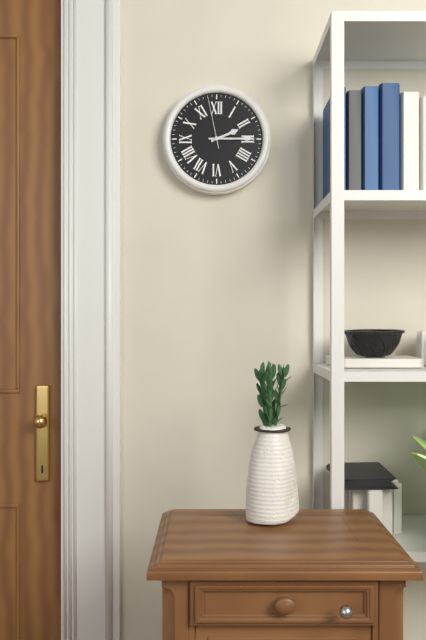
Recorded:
h=2 m=15 s=58
